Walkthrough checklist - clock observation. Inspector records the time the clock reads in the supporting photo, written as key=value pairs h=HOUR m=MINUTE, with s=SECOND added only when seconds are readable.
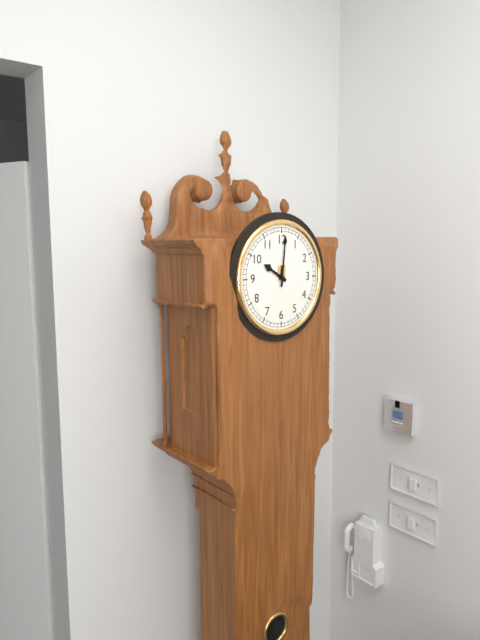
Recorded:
h=10 m=1
